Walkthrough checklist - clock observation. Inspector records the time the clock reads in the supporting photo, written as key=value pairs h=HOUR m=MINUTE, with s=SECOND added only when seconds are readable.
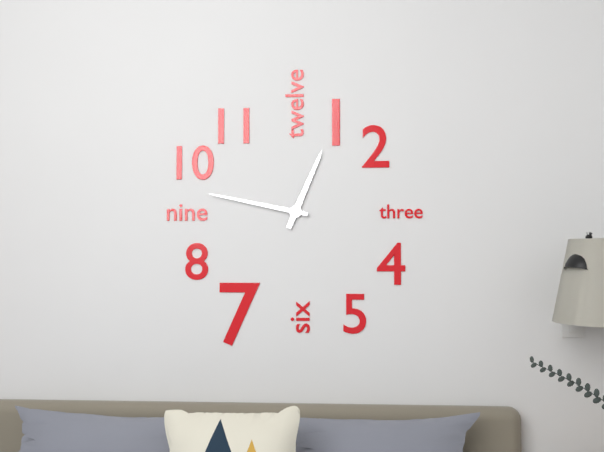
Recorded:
h=12 m=47
